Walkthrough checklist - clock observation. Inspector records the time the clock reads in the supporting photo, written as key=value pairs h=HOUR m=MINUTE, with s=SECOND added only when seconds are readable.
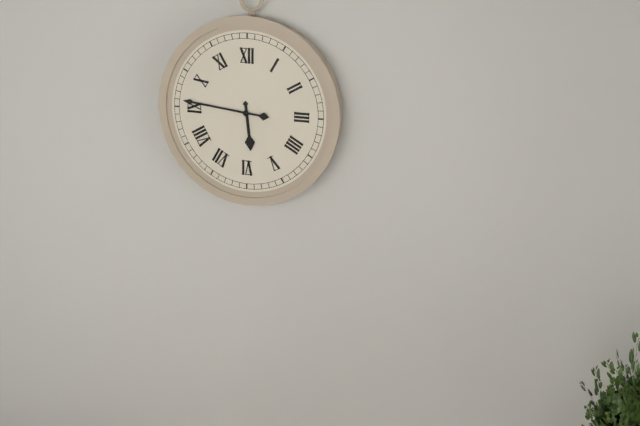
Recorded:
h=5 m=46
